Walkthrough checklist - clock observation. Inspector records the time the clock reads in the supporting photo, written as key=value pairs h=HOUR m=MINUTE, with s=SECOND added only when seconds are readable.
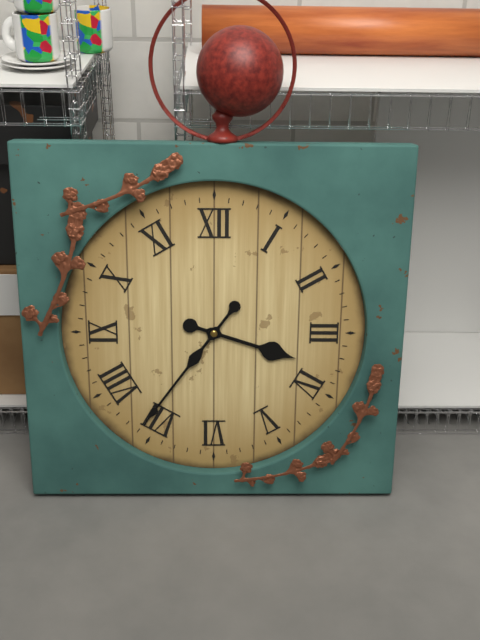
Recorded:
h=3 m=36
